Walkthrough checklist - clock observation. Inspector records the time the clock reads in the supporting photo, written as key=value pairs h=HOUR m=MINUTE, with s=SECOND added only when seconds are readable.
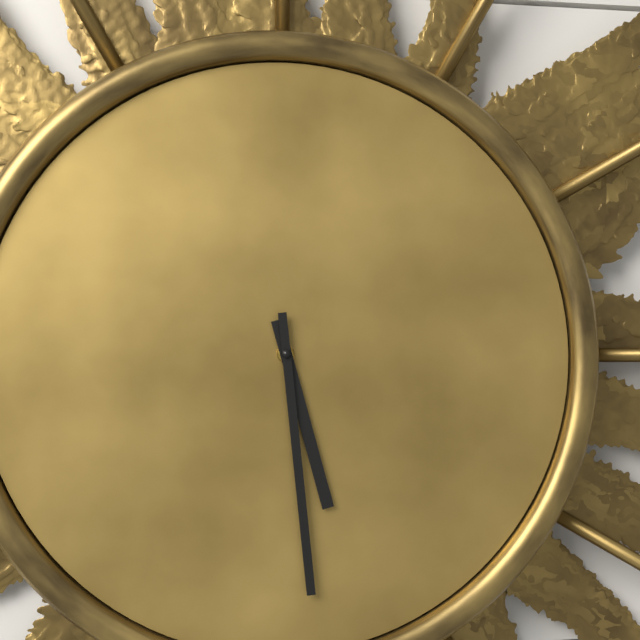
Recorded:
h=5 m=29
